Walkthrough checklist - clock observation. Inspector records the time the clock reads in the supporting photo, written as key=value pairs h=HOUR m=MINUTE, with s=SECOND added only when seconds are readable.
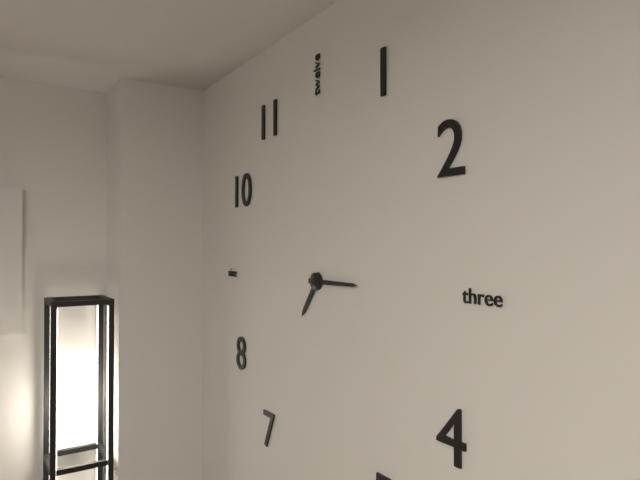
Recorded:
h=7 m=15
